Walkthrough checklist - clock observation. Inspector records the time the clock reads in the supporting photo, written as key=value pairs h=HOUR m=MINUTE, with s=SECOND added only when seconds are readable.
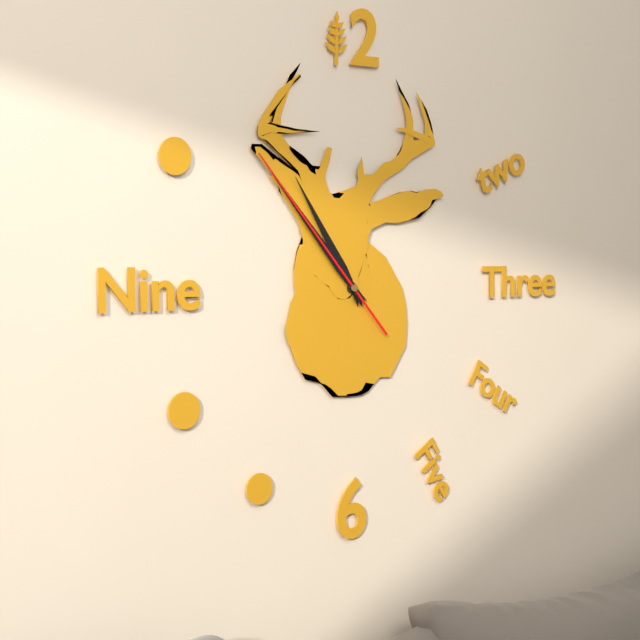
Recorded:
h=10 m=53 s=53
